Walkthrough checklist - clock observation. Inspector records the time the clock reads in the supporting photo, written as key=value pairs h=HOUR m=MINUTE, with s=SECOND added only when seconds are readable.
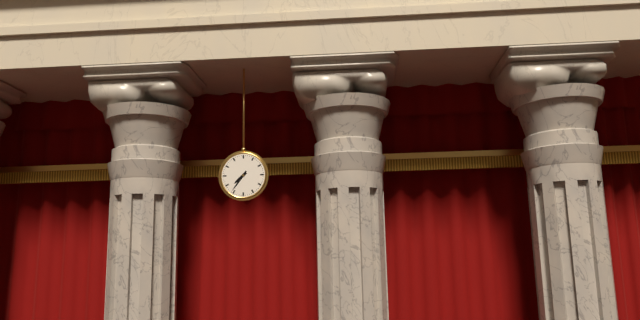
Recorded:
h=7 m=36
